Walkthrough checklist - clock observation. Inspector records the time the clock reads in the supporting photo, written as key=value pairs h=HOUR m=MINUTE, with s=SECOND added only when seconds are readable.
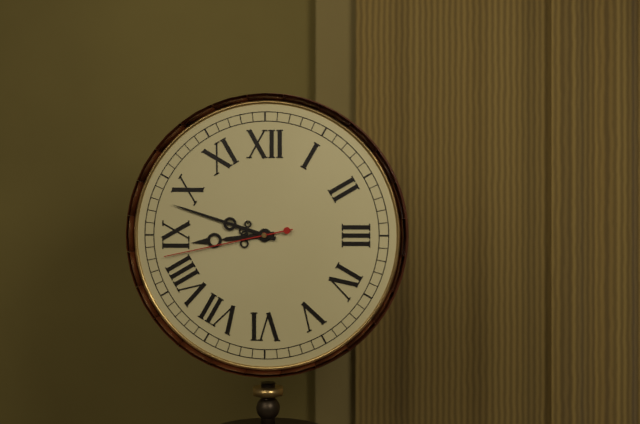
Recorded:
h=8 m=48 s=43
